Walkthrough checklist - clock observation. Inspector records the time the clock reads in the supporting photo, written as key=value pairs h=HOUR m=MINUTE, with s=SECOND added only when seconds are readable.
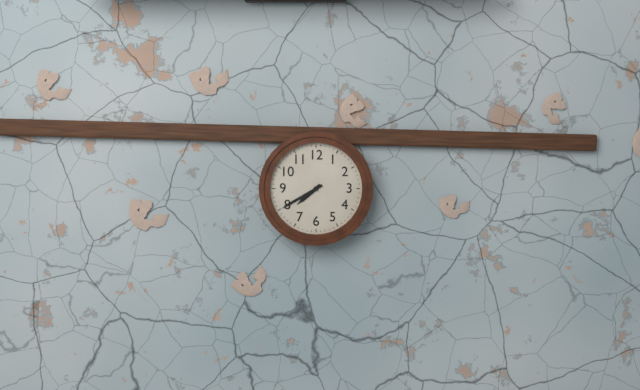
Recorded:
h=7 m=40
